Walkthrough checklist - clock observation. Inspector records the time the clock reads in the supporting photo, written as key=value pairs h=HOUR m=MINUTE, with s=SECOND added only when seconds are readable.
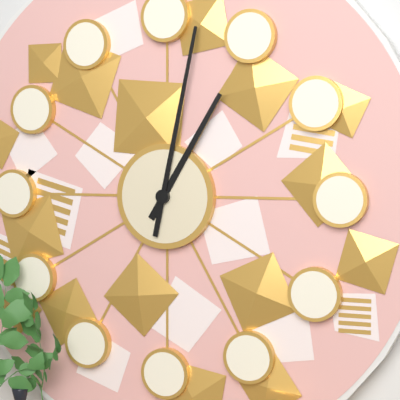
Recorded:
h=1 m=2
